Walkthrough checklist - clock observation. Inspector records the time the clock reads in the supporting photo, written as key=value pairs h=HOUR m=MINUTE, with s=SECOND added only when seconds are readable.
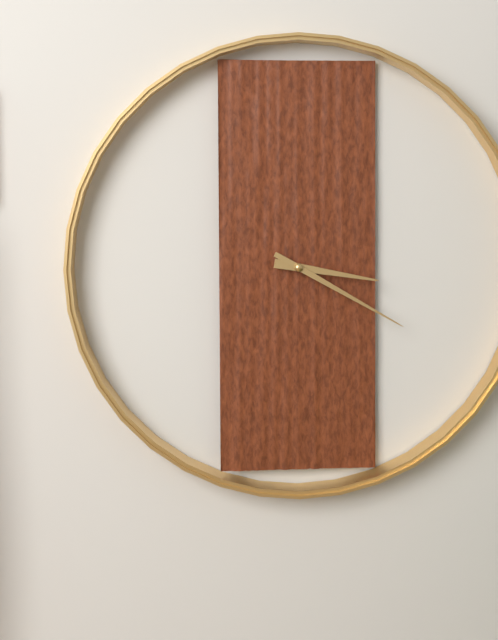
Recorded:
h=3 m=20
